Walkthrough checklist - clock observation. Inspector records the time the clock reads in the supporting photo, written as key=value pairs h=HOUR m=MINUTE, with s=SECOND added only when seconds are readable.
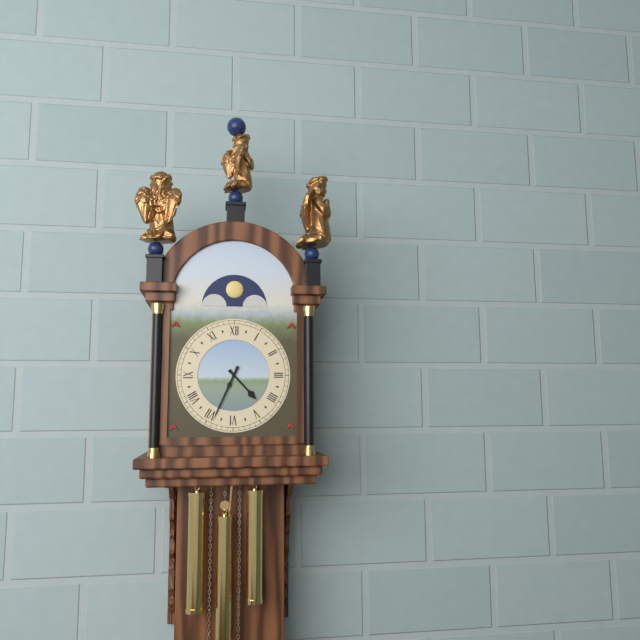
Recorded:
h=4 m=34
